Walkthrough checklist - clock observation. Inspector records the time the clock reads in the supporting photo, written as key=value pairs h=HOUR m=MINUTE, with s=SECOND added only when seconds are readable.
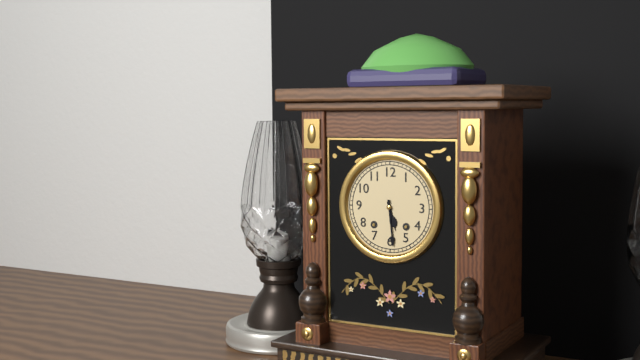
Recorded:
h=5 m=29
